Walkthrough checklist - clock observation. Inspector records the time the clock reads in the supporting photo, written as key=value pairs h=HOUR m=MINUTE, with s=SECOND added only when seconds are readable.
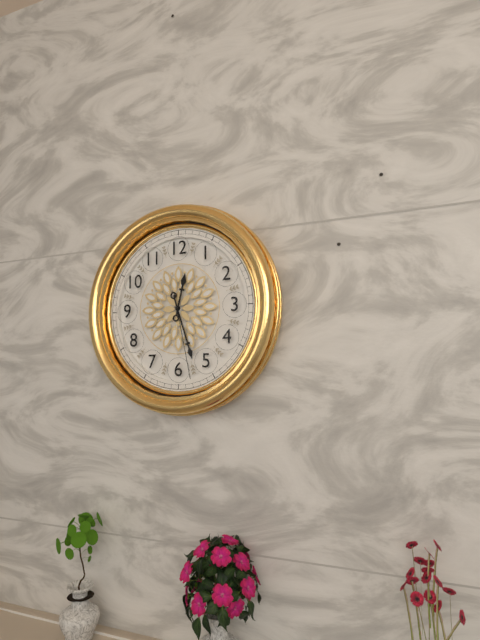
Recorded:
h=12 m=27 s=28
